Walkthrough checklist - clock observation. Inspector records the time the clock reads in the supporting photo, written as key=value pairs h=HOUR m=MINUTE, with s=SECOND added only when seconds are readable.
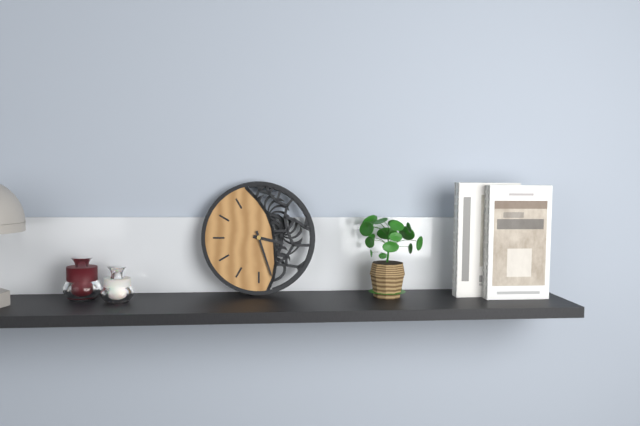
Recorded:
h=3 m=27
